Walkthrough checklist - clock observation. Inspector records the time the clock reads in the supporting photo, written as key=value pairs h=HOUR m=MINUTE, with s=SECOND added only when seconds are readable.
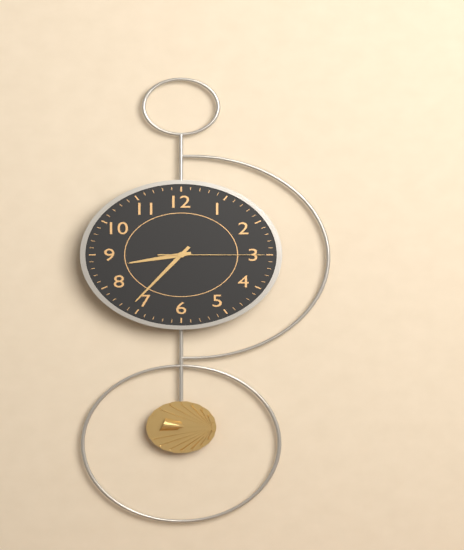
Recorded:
h=8 m=36 s=15
